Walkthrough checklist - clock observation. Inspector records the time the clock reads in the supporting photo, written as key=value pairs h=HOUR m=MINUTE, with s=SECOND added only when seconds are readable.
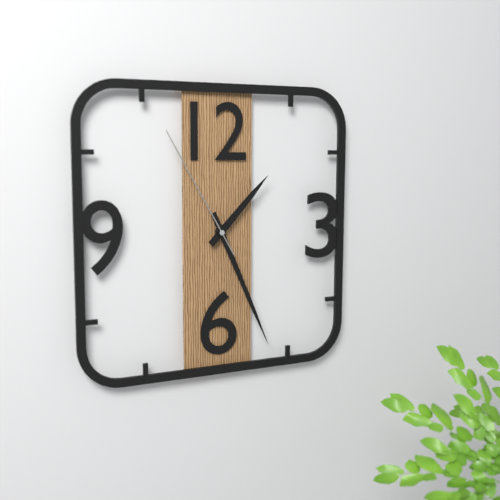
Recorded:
h=1 m=26 s=55
